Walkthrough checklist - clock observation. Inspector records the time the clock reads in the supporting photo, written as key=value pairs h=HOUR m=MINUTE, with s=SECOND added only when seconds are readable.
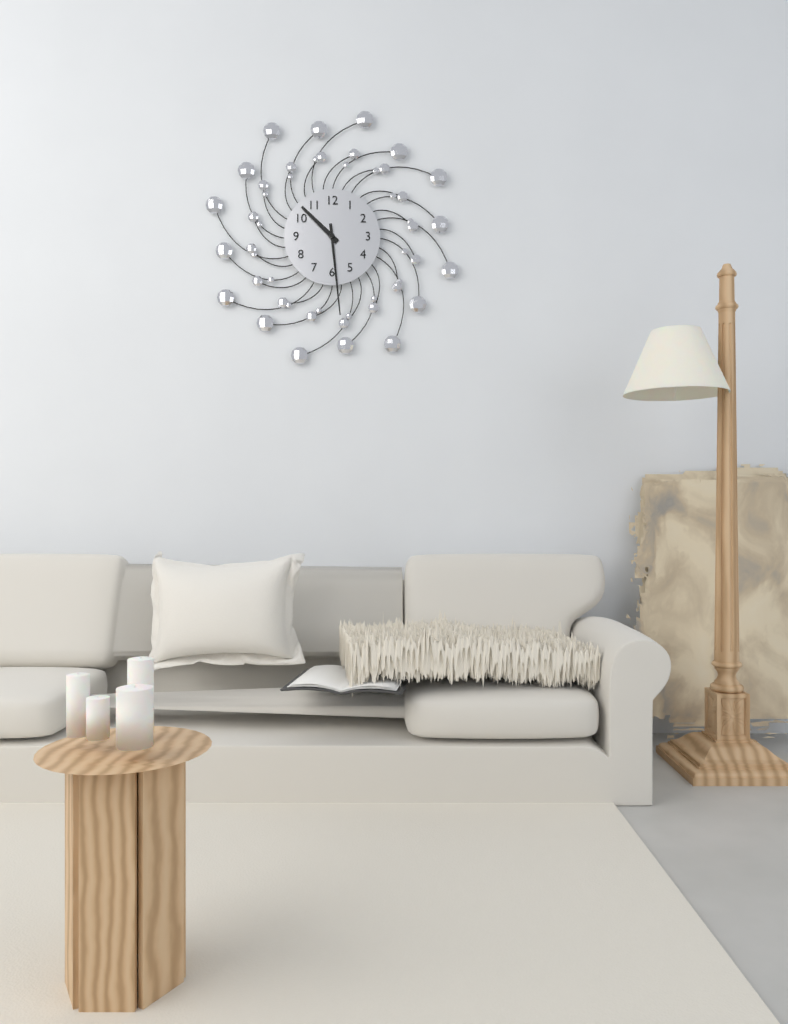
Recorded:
h=10 m=29
